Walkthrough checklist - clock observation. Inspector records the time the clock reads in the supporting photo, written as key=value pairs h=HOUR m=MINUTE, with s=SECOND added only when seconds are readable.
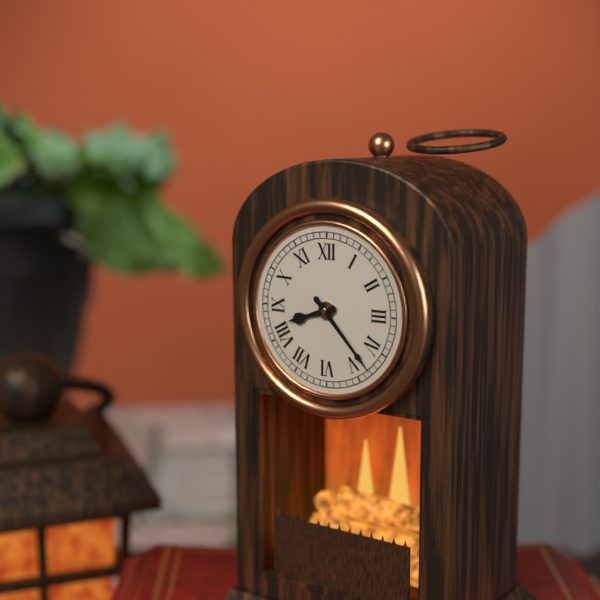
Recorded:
h=8 m=23
